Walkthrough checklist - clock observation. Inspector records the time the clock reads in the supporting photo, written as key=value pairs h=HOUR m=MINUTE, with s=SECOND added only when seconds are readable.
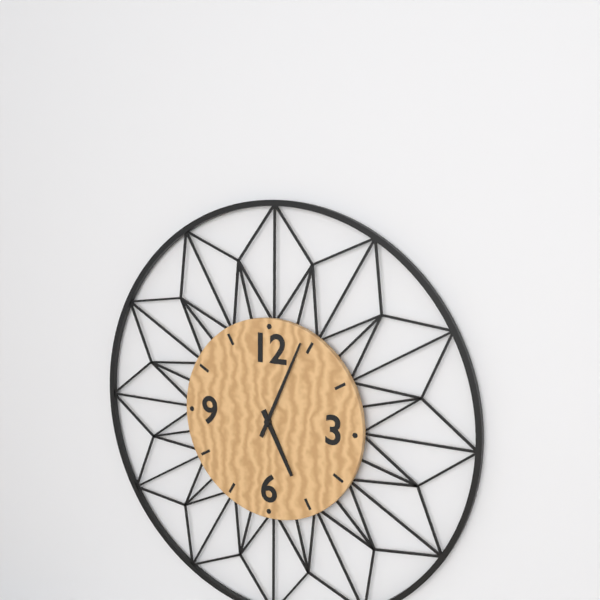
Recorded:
h=5 m=4
